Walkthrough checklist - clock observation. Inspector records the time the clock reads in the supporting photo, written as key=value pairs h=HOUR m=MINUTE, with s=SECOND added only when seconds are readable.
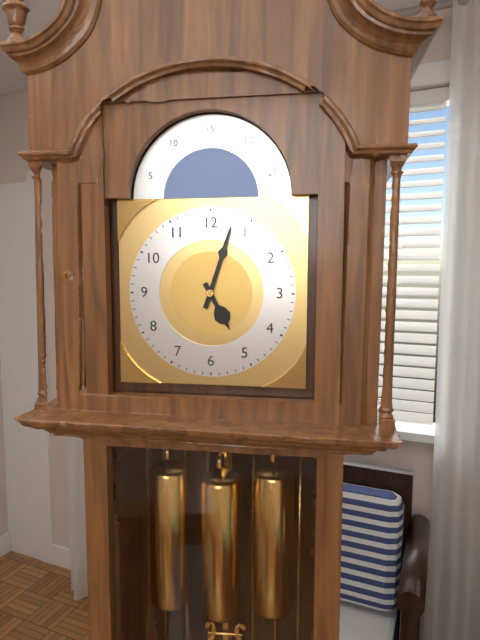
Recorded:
h=5 m=3
